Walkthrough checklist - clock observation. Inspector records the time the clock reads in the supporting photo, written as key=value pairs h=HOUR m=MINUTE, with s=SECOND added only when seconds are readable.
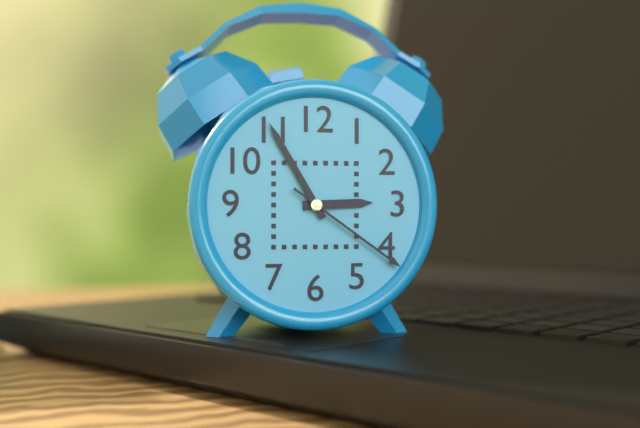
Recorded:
h=2 m=55 s=21
